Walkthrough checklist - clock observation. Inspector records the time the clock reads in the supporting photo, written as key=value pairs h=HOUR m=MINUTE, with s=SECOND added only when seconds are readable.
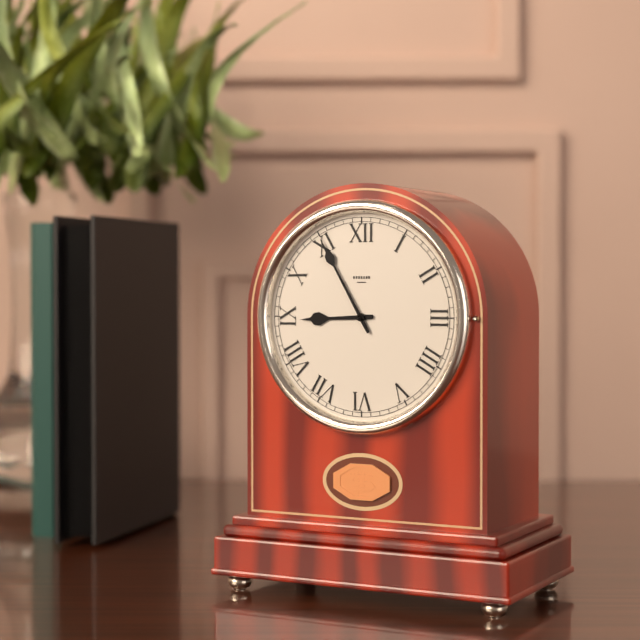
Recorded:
h=8 m=55
